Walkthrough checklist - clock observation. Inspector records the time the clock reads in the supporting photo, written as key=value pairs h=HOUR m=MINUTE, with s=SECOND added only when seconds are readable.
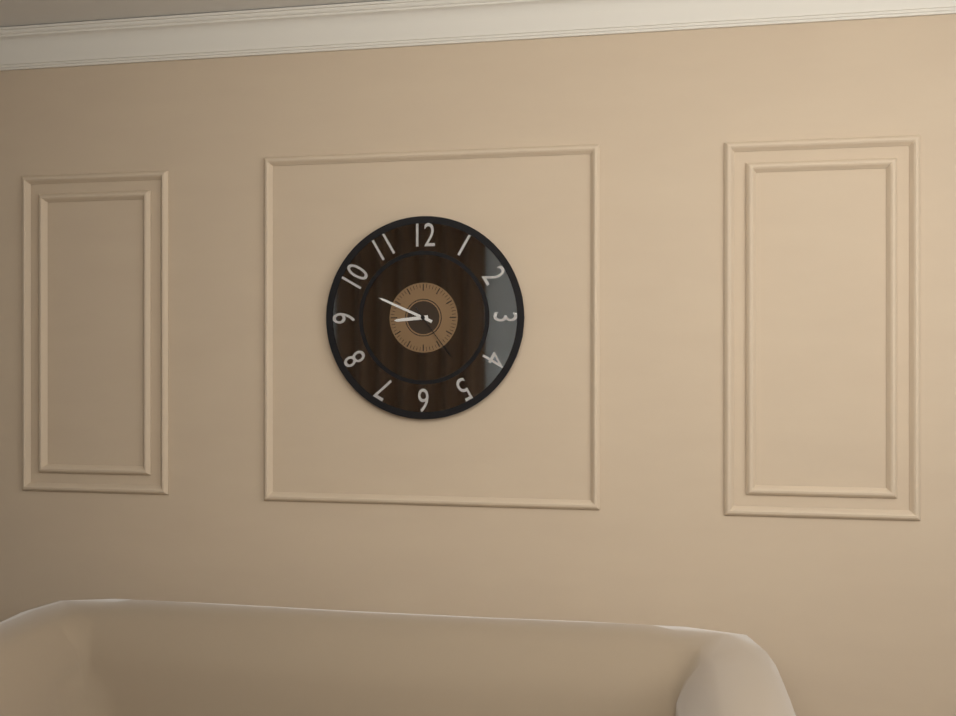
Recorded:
h=8 m=49 s=24
